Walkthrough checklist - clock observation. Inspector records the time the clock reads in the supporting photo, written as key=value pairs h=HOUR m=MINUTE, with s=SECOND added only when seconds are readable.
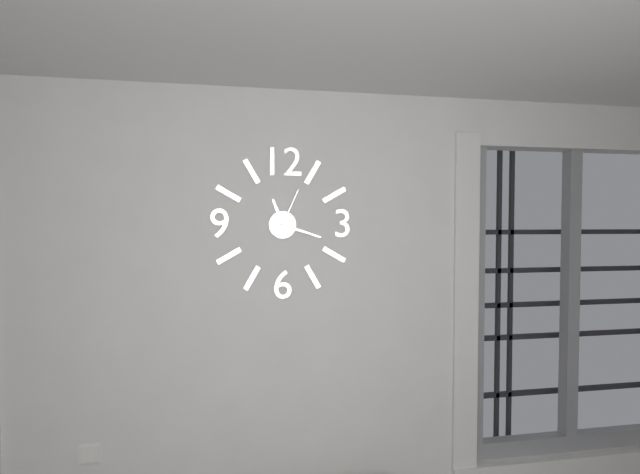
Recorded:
h=11 m=18
